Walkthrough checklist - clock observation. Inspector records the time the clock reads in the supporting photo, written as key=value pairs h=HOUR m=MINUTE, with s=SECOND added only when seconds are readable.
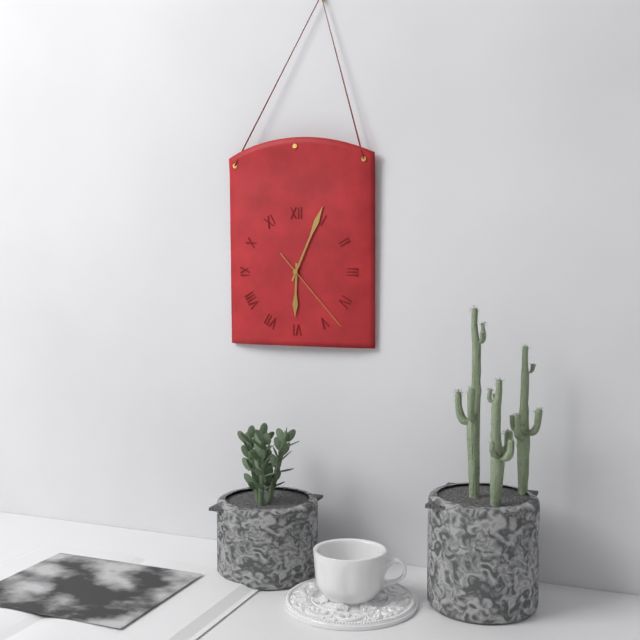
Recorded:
h=6 m=4 s=23
